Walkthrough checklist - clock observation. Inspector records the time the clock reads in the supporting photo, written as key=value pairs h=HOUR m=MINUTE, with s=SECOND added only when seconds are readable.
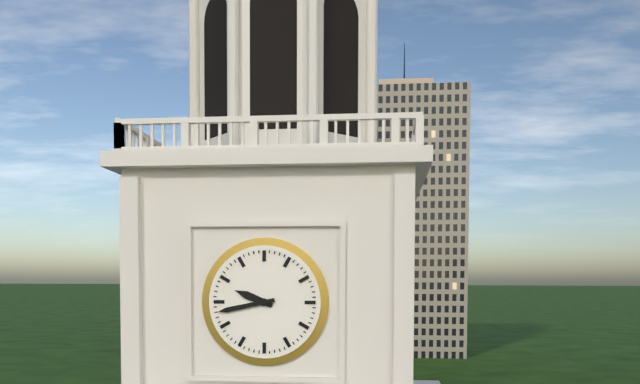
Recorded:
h=9 m=43
